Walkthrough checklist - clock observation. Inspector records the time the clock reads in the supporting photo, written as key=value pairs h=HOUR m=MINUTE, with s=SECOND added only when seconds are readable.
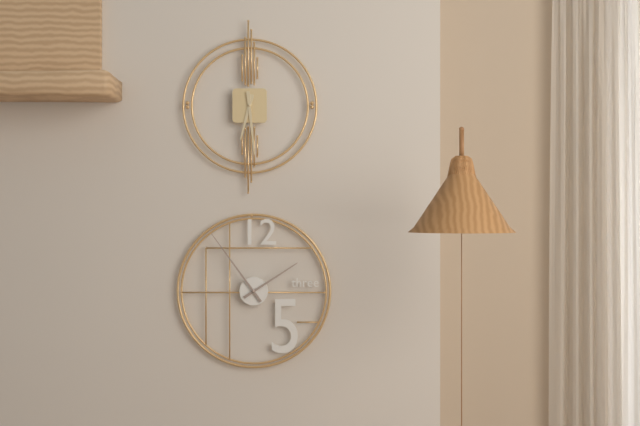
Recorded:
h=6 m=29
